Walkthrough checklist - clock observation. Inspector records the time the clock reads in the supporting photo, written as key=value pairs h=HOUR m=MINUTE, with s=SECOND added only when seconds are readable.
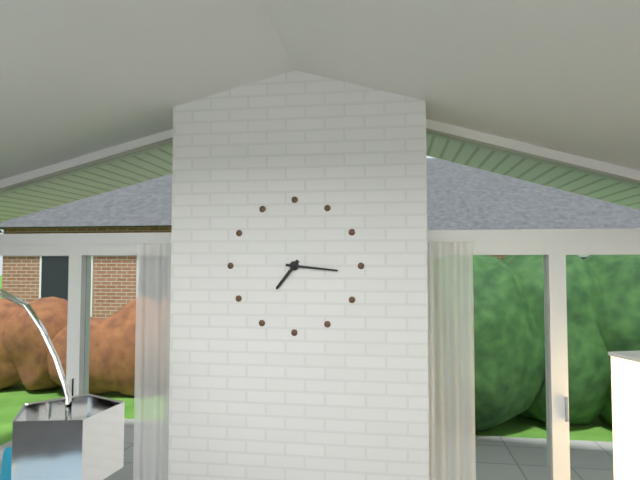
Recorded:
h=7 m=16
